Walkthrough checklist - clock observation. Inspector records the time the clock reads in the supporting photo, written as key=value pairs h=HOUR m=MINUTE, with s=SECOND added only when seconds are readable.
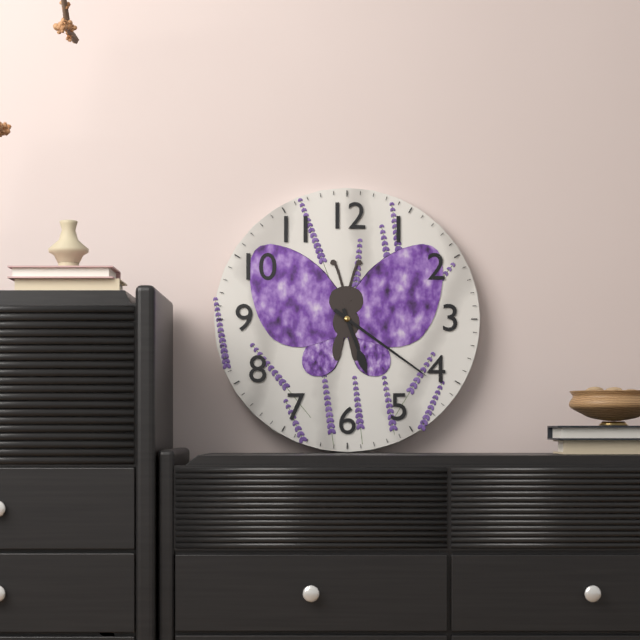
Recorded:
h=5 m=21
